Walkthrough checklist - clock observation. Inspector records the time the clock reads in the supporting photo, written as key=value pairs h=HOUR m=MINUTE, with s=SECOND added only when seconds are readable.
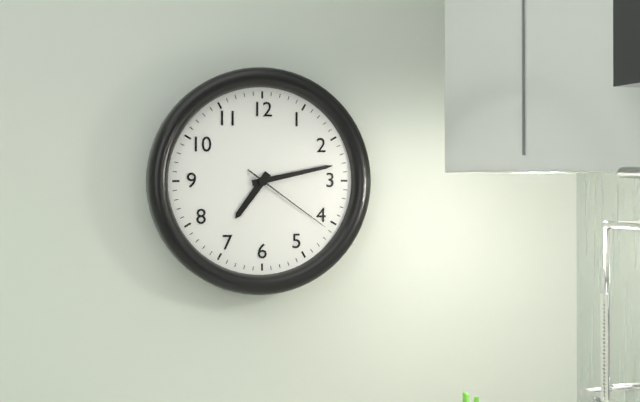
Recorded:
h=7 m=13 s=21
